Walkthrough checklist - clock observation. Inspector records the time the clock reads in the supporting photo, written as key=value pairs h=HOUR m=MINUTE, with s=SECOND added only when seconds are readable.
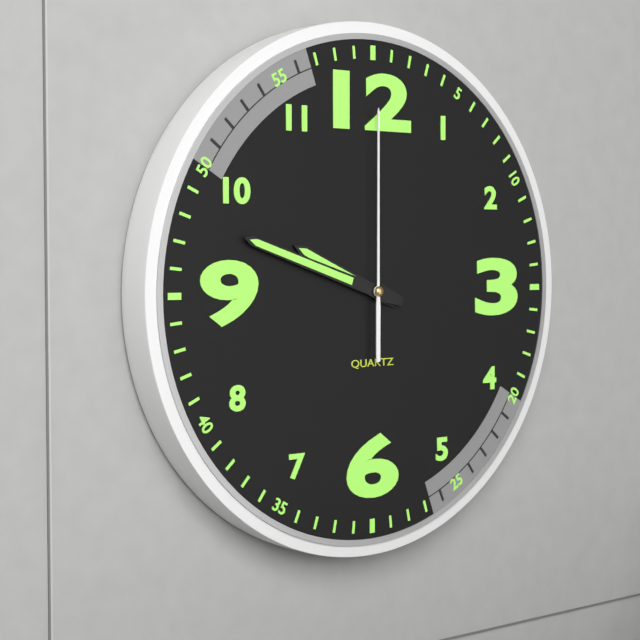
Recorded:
h=9 m=48 s=0
